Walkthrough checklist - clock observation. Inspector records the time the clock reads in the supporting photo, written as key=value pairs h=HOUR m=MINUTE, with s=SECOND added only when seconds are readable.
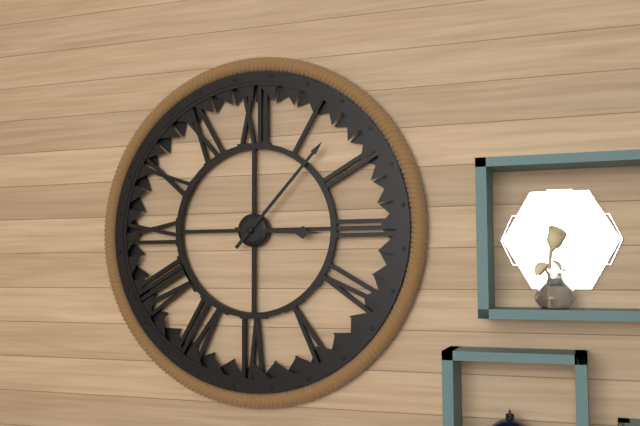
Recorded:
h=3 m=7
